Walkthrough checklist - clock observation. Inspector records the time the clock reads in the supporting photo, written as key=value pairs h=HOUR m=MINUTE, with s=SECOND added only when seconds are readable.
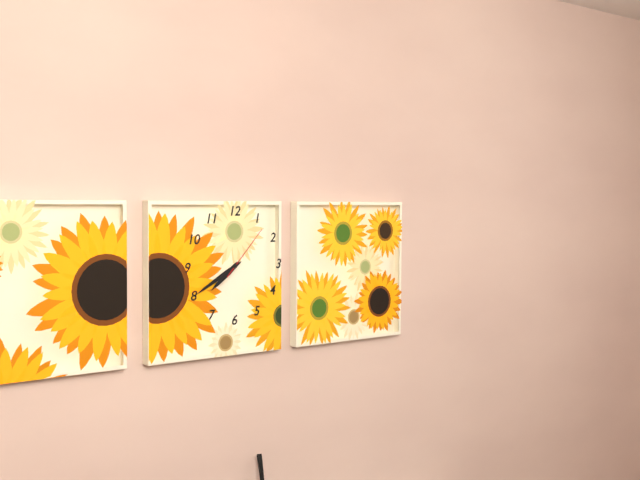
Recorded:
h=7 m=40 s=7
